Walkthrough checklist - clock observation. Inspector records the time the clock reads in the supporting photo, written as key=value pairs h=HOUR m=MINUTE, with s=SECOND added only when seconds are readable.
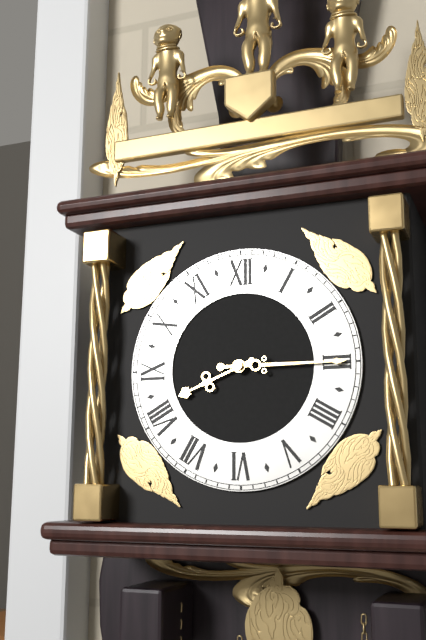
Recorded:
h=8 m=15
